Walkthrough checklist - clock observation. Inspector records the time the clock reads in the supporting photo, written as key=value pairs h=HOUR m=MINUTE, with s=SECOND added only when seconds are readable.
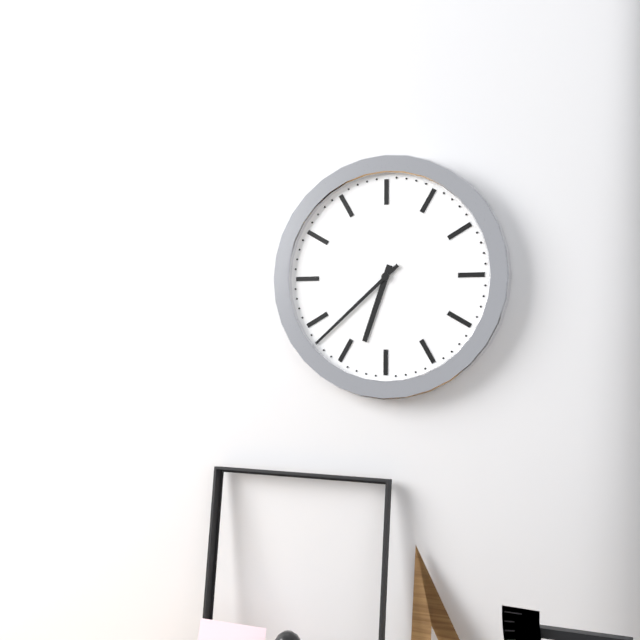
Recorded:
h=6 m=38
